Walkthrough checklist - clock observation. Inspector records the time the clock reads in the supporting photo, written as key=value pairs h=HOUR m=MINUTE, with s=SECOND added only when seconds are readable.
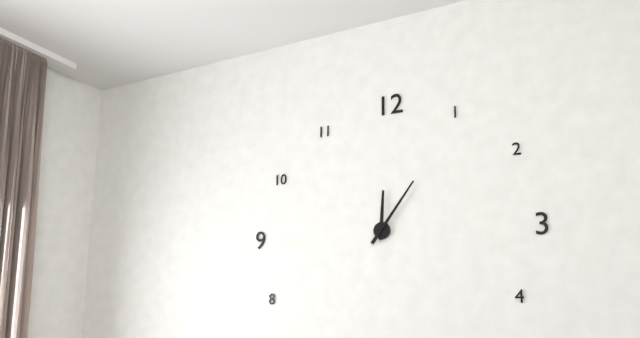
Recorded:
h=12 m=6
